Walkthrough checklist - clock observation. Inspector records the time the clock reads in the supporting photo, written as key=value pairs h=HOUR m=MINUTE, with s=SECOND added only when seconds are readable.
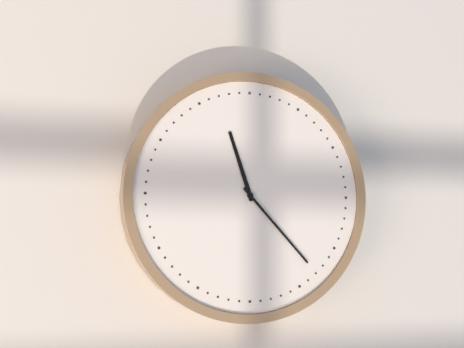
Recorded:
h=11 m=23
